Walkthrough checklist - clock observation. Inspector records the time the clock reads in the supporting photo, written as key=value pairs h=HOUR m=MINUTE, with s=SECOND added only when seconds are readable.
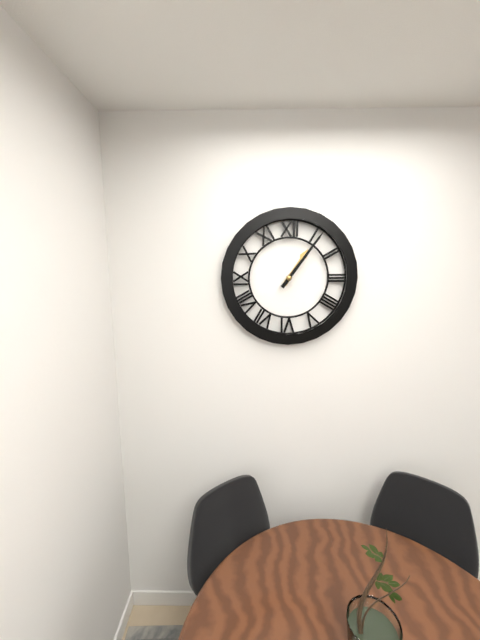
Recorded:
h=1 m=6
